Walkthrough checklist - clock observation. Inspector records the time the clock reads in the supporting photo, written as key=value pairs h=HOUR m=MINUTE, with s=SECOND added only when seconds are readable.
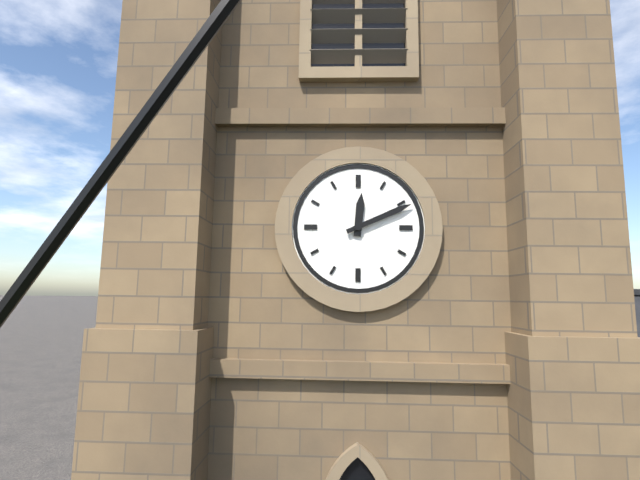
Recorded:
h=12 m=11
